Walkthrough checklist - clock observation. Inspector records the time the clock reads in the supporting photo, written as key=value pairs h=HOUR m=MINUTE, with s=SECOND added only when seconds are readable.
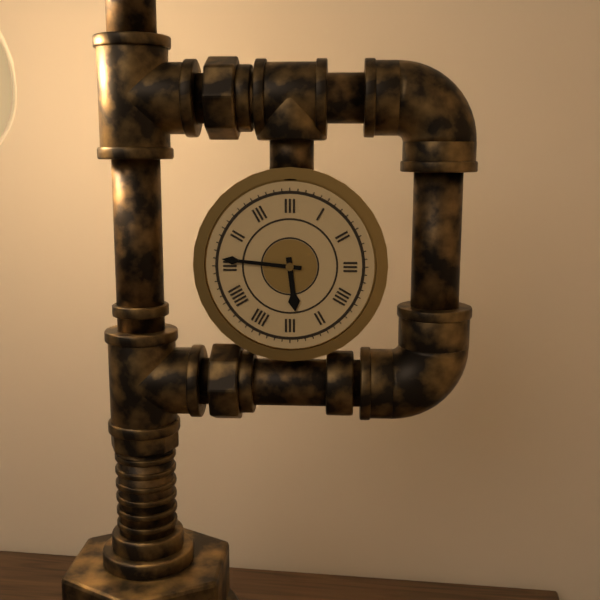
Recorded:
h=5 m=46
